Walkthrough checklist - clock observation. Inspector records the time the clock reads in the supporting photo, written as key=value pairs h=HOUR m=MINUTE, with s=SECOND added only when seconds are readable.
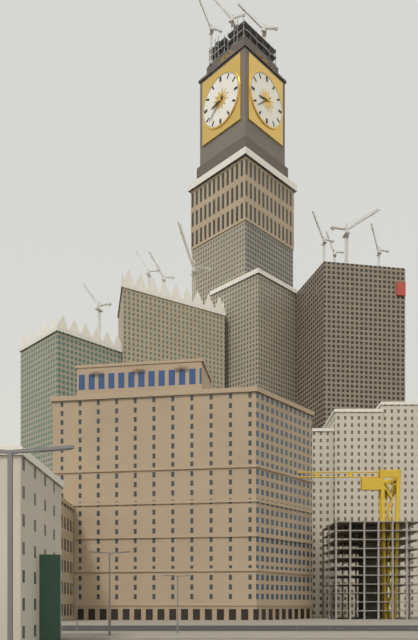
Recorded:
h=8 m=38
